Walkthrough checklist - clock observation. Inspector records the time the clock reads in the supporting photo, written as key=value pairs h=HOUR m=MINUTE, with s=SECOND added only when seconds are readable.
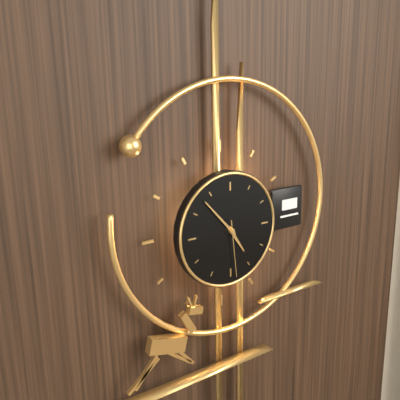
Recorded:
h=4 m=53 s=29
